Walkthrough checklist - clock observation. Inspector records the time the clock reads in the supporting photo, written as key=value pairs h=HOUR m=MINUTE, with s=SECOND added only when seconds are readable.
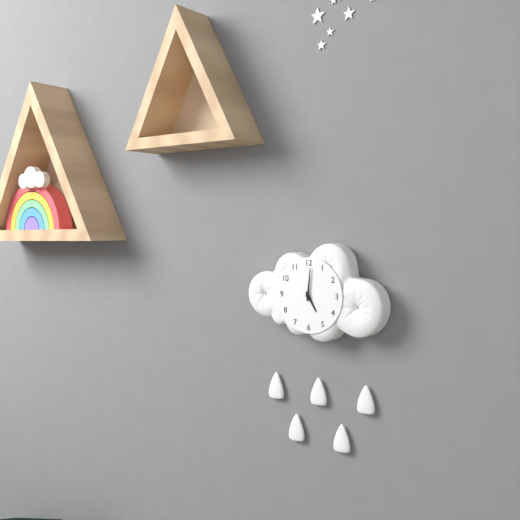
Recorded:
h=5 m=1
